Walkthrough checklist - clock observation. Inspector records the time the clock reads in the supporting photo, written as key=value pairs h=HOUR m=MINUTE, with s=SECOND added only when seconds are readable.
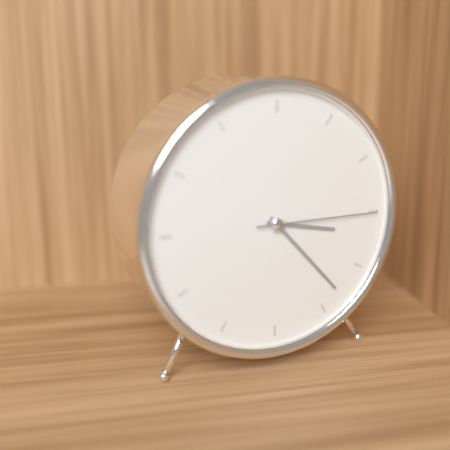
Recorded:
h=3 m=23 s=15
